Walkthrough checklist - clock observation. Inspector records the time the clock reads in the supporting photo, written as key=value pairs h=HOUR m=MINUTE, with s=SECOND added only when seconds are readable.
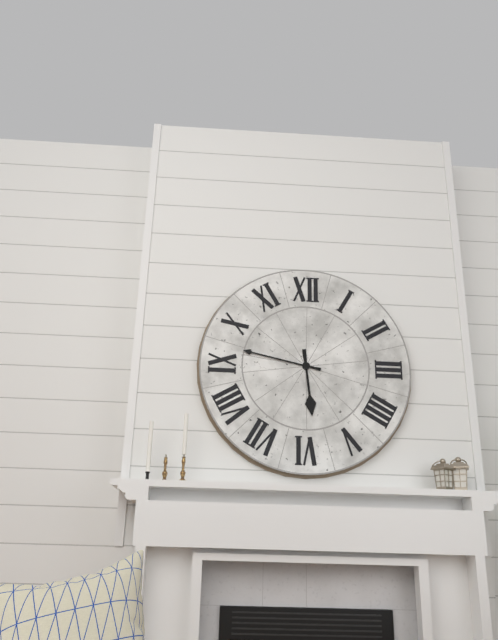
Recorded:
h=5 m=47
